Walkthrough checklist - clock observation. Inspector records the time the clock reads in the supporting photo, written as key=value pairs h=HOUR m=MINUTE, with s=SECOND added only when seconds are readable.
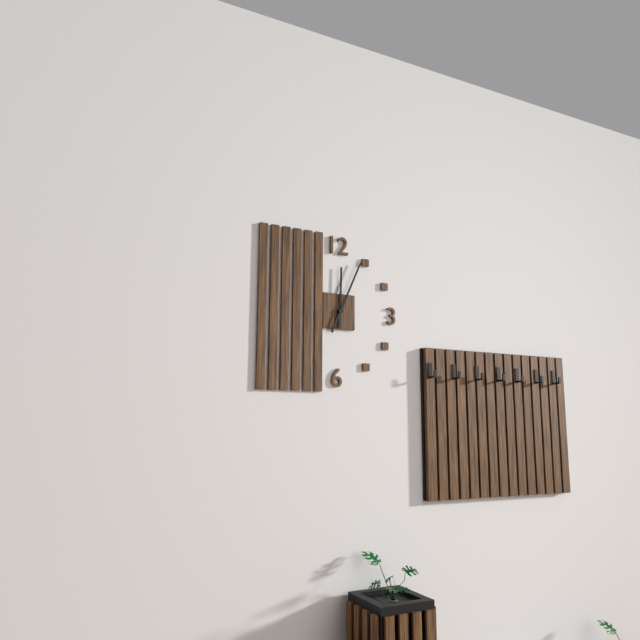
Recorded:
h=12 m=4
